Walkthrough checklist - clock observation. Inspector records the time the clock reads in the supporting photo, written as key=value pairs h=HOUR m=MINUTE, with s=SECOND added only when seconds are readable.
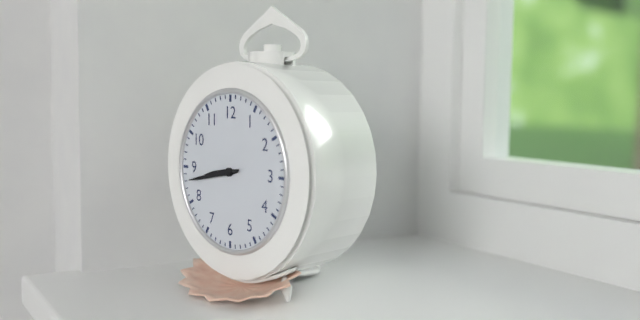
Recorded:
h=8 m=43
